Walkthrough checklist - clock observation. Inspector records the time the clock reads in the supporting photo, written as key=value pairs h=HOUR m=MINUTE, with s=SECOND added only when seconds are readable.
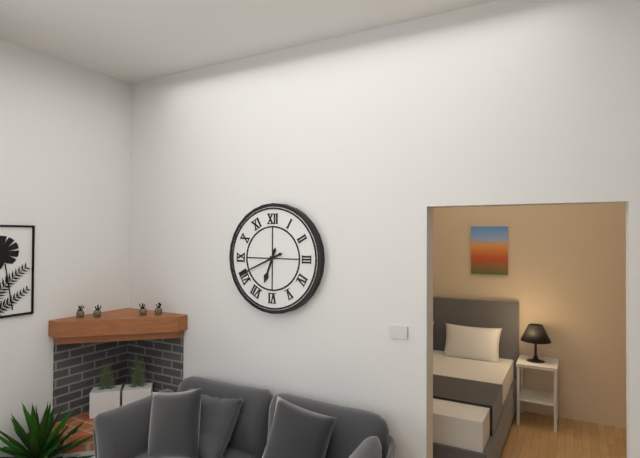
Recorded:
h=6 m=41
